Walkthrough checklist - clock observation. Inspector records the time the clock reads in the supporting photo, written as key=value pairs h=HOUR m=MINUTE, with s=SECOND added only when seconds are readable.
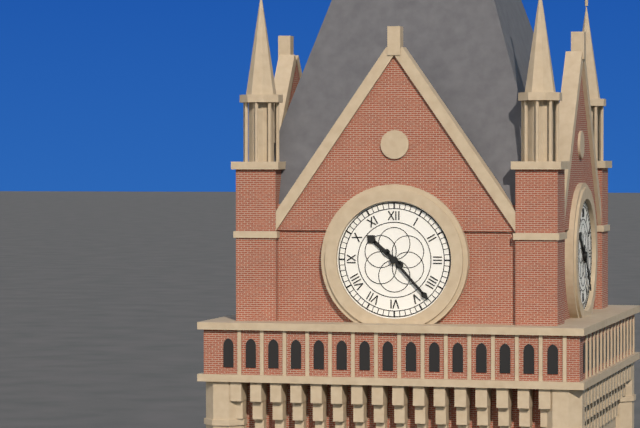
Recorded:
h=10 m=23
